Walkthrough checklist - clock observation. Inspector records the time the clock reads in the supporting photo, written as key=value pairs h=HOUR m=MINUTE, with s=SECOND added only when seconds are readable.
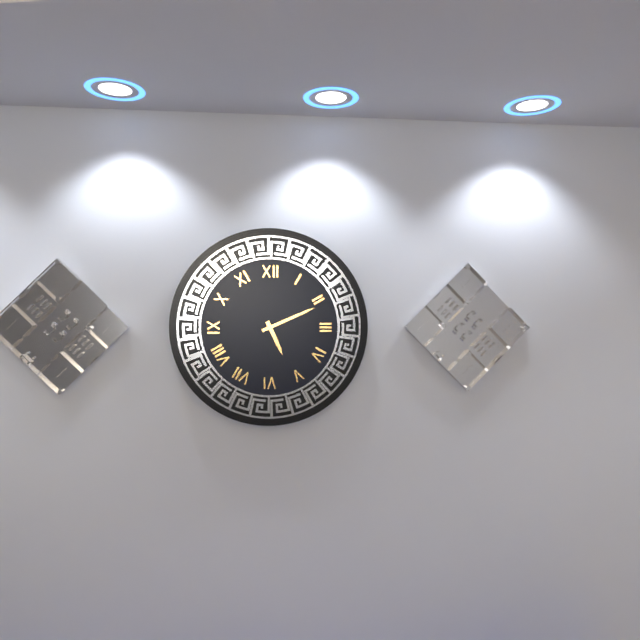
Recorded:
h=5 m=11
